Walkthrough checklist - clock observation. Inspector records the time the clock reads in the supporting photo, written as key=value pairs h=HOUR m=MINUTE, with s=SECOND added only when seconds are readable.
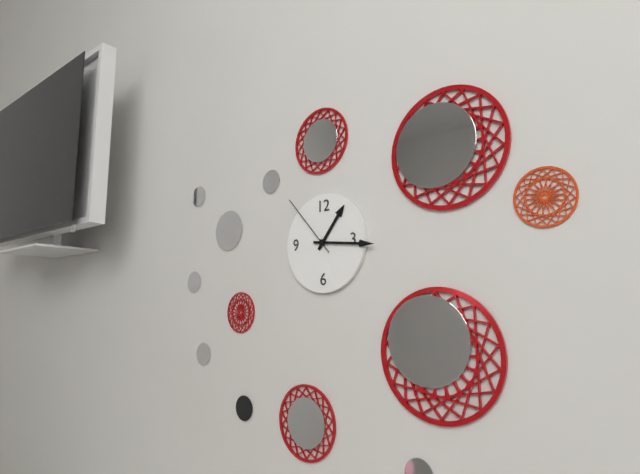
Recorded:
h=1 m=16 s=53
